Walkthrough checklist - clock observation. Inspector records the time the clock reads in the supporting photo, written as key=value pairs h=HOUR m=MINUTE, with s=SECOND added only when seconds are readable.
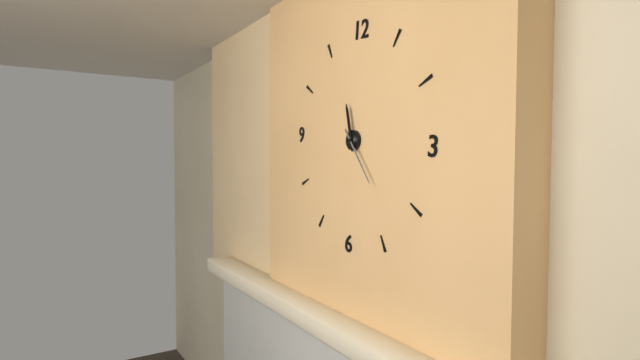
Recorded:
h=11 m=23
